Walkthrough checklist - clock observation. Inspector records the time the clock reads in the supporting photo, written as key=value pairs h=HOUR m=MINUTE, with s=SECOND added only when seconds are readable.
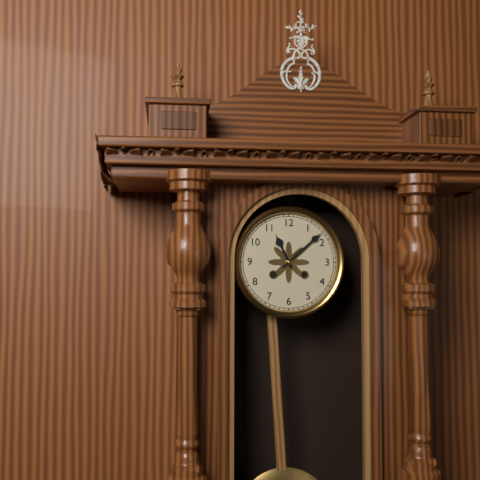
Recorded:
h=11 m=8
